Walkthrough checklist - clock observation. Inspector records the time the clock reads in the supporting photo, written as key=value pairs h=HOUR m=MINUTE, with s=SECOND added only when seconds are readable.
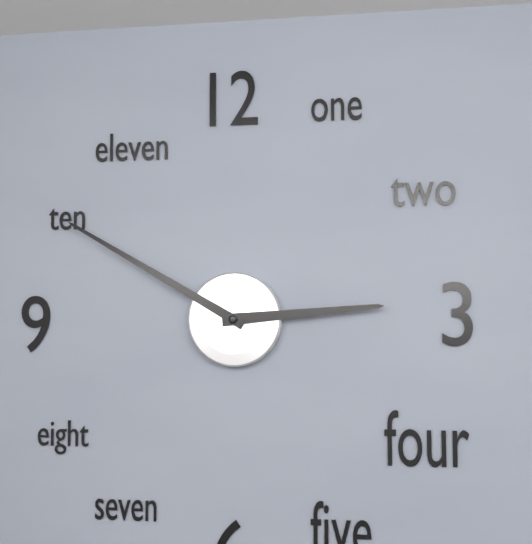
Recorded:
h=2 m=50
